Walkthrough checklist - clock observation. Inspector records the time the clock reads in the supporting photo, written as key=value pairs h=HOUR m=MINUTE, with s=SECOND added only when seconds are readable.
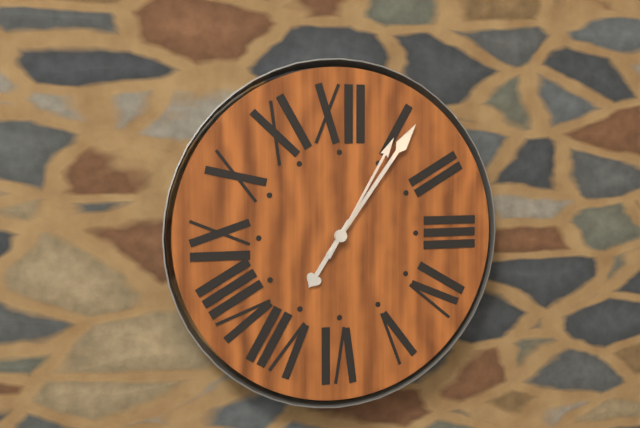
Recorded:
h=7 m=6 s=5
